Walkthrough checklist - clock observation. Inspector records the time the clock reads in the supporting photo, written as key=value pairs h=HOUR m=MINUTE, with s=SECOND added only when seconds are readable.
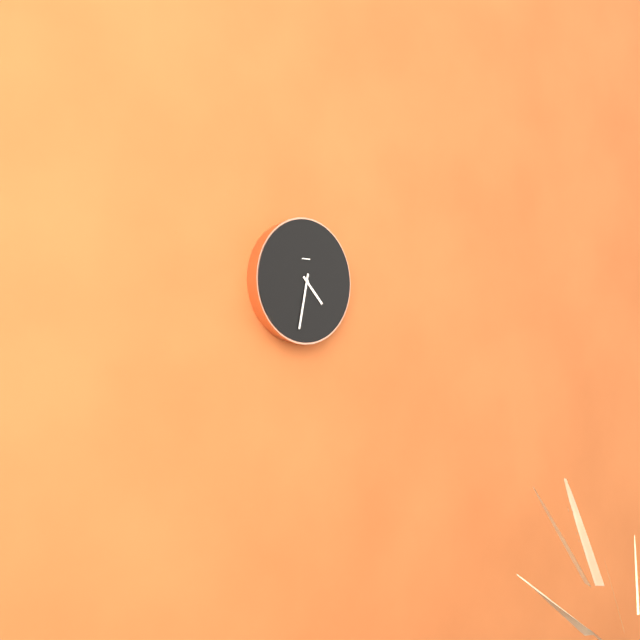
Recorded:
h=4 m=32
